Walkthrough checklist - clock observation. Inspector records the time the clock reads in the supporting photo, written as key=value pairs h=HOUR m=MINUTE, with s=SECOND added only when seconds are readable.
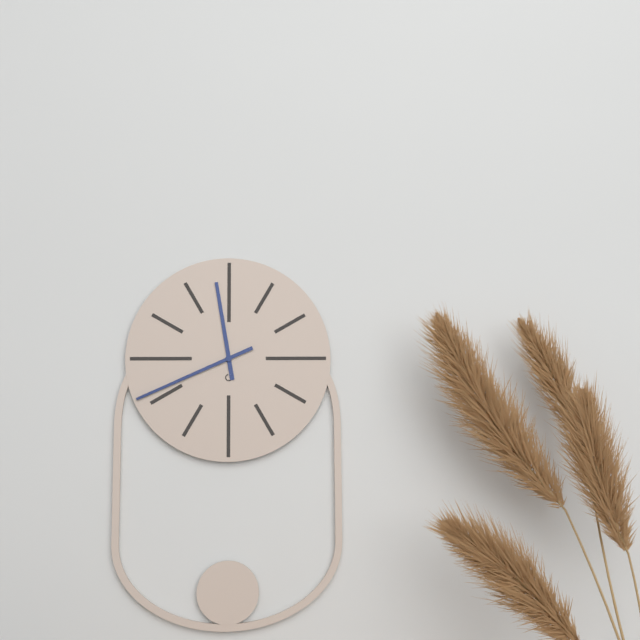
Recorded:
h=11 m=41
